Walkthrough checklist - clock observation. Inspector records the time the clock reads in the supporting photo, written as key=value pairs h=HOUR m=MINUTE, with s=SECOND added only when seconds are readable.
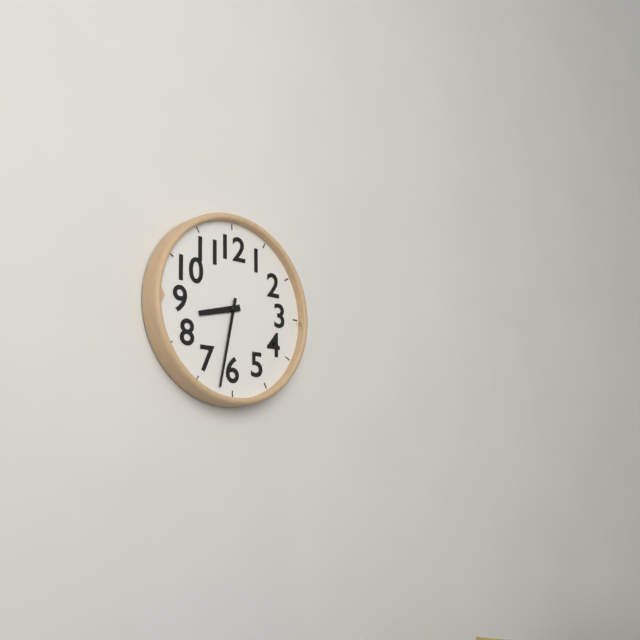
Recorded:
h=8 m=32
